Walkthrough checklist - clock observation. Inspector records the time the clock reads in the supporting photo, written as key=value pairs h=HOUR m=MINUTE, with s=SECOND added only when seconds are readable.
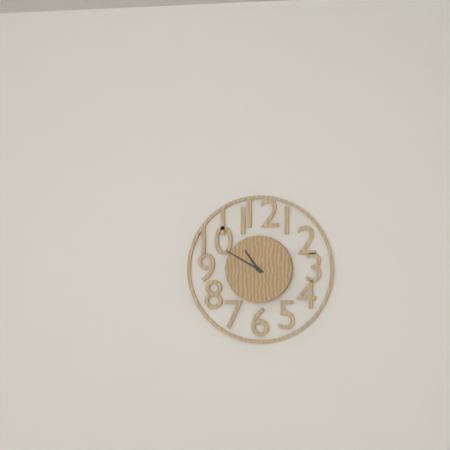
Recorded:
h=10 m=50
